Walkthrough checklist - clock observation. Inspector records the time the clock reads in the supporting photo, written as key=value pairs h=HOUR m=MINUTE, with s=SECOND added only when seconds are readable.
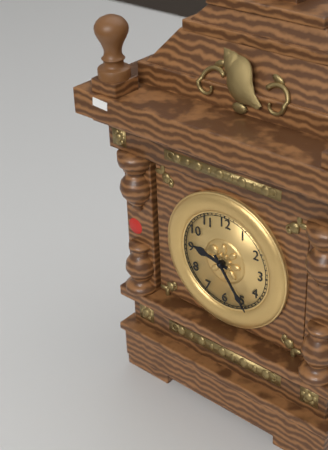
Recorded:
h=9 m=24
